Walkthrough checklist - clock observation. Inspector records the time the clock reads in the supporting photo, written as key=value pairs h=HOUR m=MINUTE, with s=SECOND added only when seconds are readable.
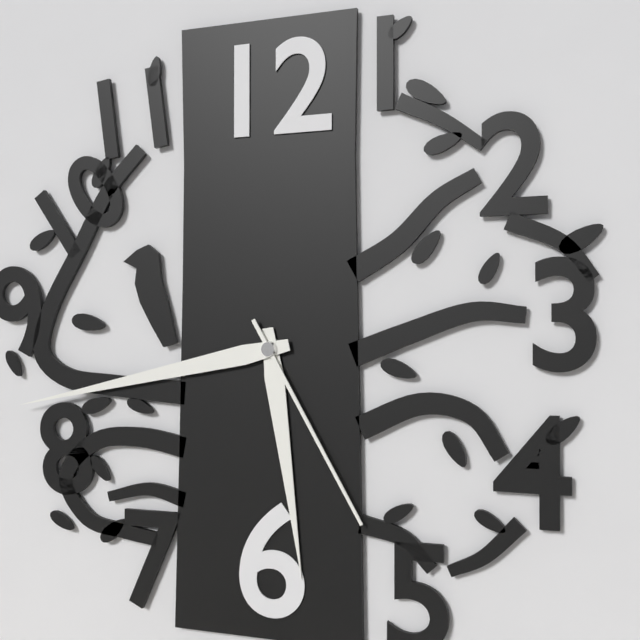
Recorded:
h=5 m=43 s=25
